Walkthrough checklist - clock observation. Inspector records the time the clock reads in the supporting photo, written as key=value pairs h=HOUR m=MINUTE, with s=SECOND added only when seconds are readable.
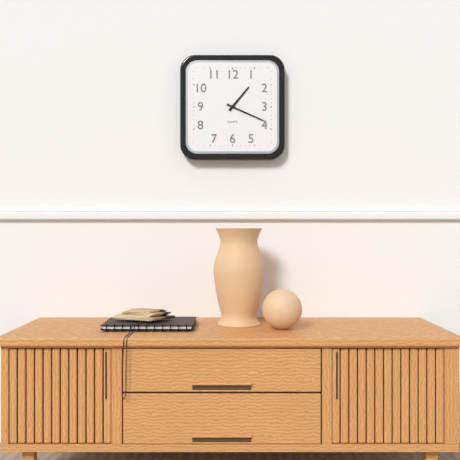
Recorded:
h=1 m=19
